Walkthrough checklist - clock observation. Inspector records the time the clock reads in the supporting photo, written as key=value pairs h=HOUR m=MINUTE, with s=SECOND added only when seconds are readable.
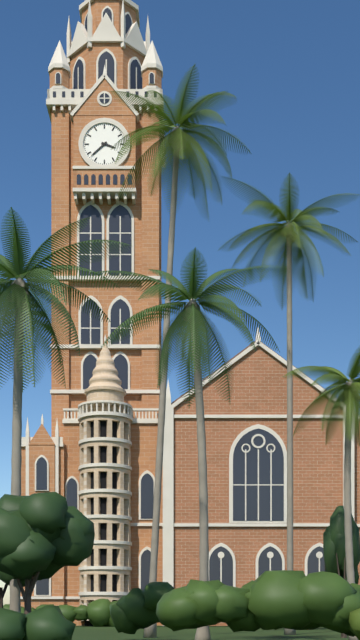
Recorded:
h=3 m=38
